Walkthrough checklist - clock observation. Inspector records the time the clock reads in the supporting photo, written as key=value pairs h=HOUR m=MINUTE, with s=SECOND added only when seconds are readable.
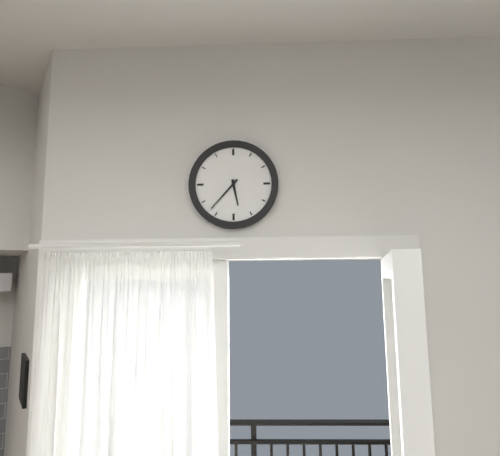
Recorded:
h=5 m=37
